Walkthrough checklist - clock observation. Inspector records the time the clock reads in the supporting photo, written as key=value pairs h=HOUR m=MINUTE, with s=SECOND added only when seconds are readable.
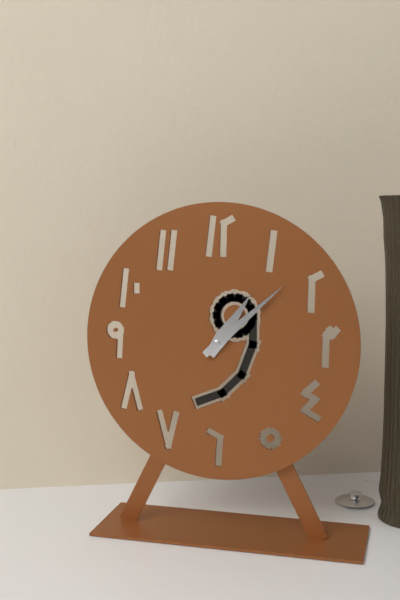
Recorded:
h=1 m=8
